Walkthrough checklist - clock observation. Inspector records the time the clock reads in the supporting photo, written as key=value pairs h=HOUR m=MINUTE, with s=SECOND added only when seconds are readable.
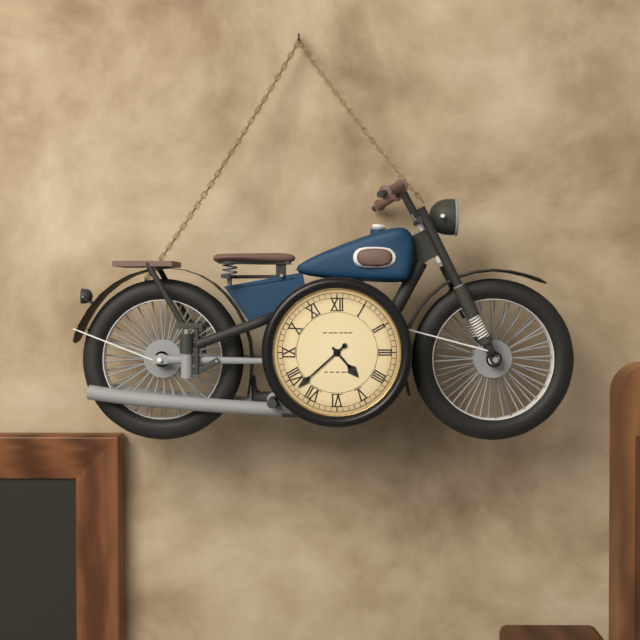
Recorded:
h=4 m=38
